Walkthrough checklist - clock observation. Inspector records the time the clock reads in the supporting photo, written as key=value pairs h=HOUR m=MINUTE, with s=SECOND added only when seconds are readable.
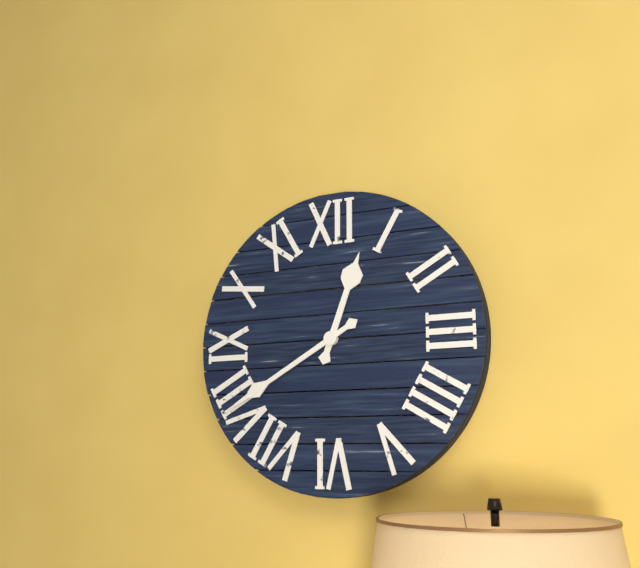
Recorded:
h=12 m=40
